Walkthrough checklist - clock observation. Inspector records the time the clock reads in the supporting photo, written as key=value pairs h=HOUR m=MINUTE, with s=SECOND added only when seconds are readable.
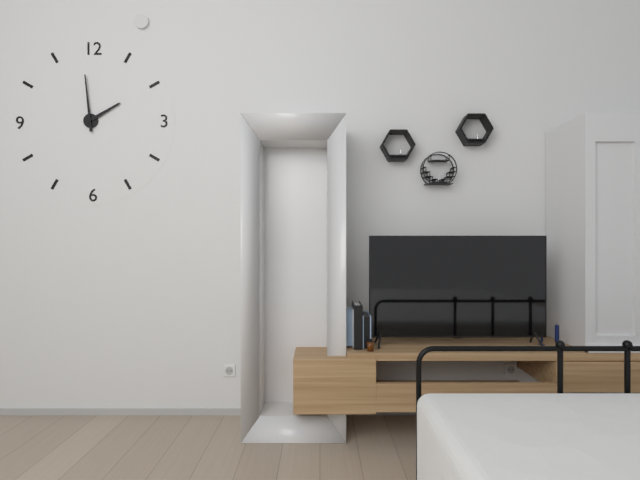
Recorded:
h=1 m=59
